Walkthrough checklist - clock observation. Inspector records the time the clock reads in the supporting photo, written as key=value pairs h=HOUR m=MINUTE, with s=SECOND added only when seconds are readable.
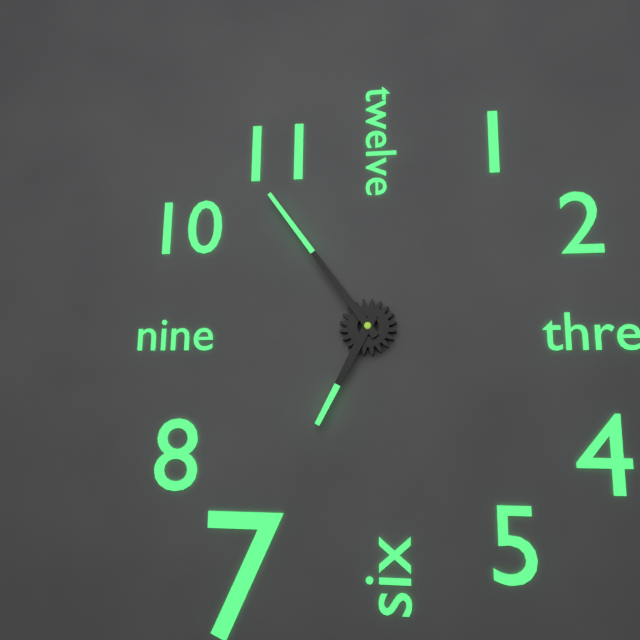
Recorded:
h=6 m=54
